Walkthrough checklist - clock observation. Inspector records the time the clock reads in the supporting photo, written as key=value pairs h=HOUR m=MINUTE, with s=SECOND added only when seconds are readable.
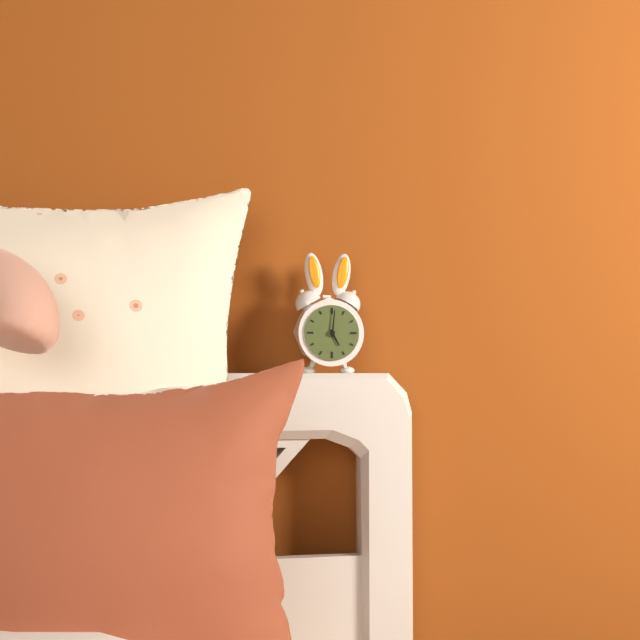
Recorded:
h=5 m=1
